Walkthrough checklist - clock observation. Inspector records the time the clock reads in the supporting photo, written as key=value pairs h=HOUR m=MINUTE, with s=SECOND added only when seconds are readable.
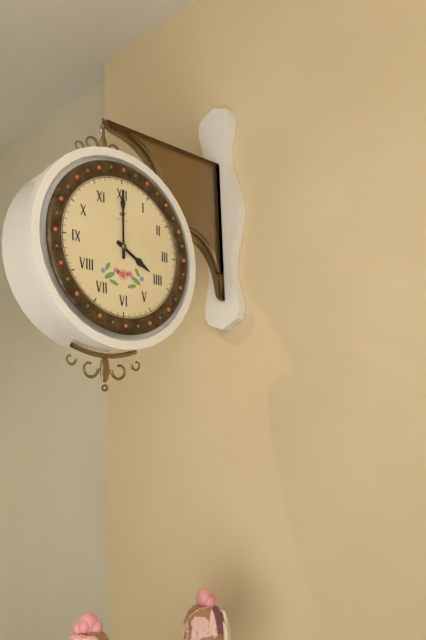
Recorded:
h=4 m=0
